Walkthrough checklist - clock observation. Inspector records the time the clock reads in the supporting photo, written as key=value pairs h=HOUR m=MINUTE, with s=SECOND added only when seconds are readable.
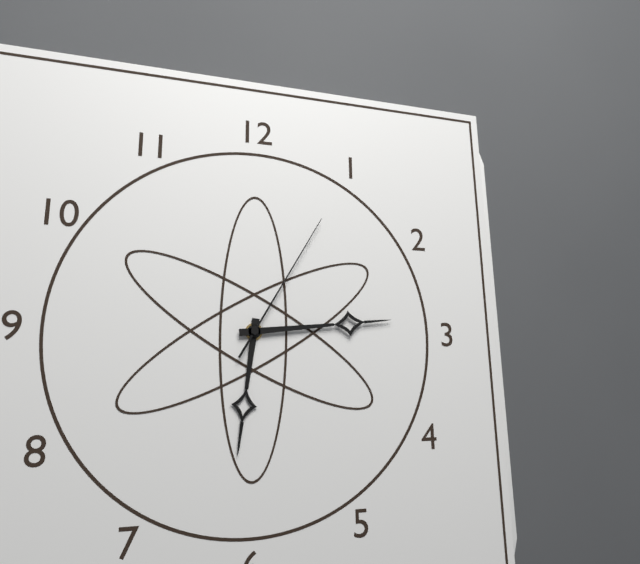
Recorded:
h=6 m=14 s=5
